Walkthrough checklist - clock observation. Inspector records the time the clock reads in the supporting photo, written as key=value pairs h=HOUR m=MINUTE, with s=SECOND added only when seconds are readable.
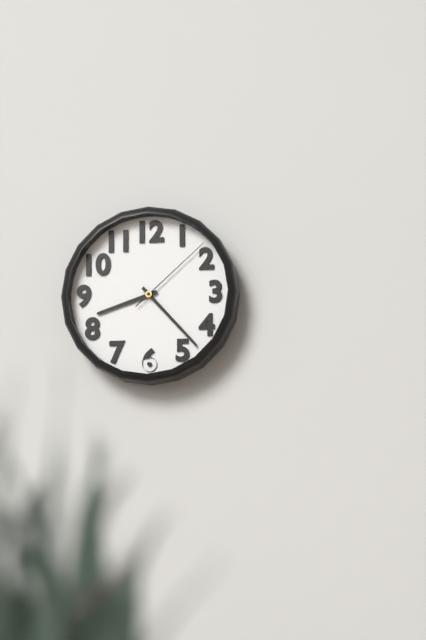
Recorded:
h=8 m=23 s=8
